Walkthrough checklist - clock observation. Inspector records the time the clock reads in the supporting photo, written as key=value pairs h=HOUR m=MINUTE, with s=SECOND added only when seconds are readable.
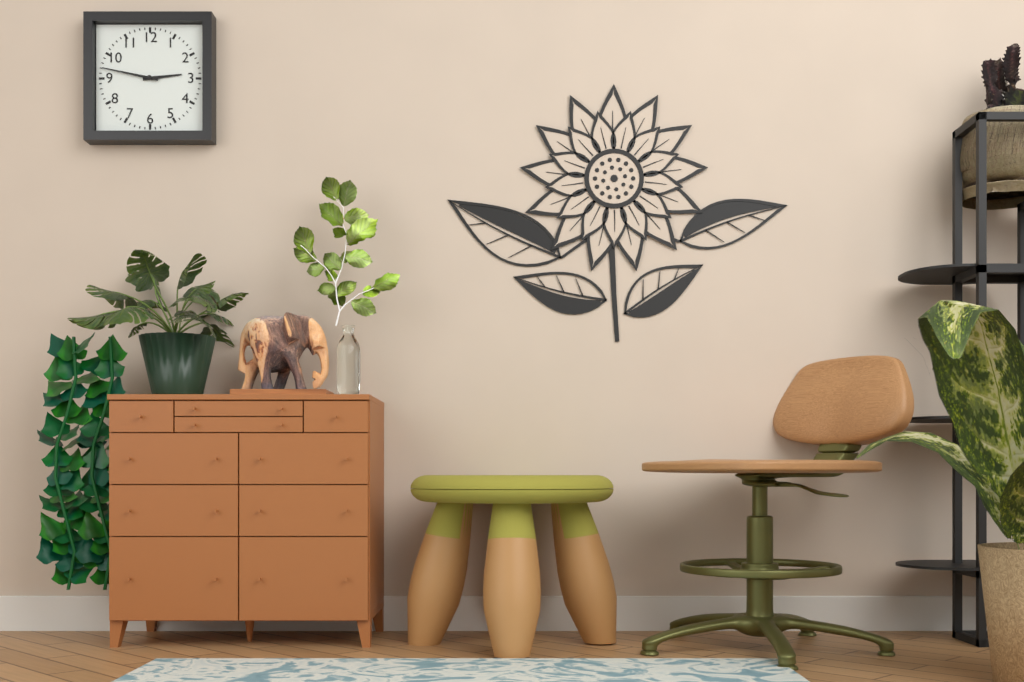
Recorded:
h=2 m=47
